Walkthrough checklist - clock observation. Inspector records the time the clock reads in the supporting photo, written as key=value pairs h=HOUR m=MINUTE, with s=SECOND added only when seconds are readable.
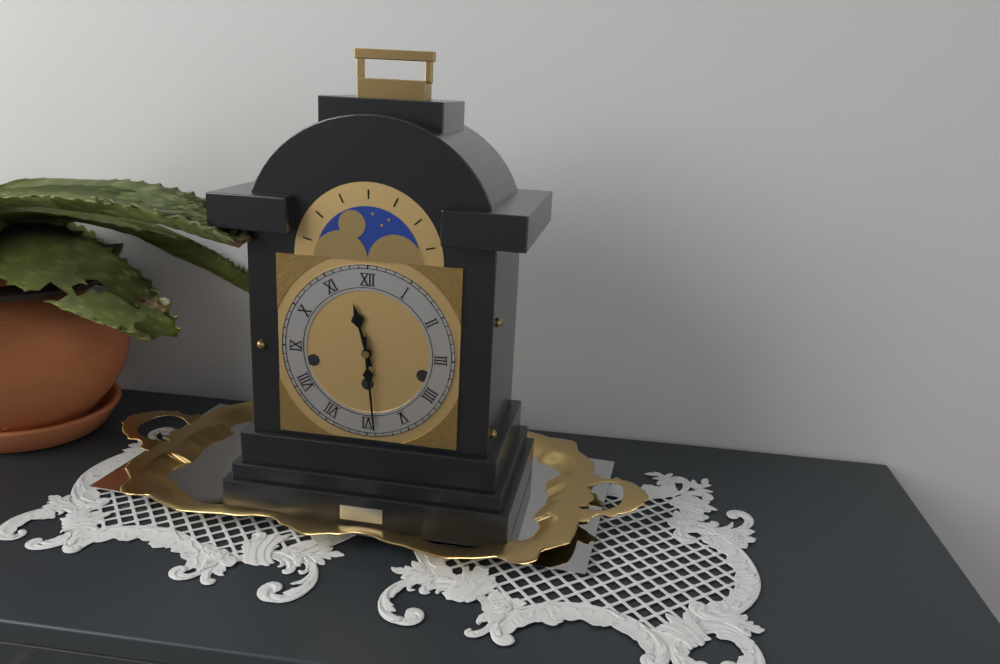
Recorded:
h=11 m=29
